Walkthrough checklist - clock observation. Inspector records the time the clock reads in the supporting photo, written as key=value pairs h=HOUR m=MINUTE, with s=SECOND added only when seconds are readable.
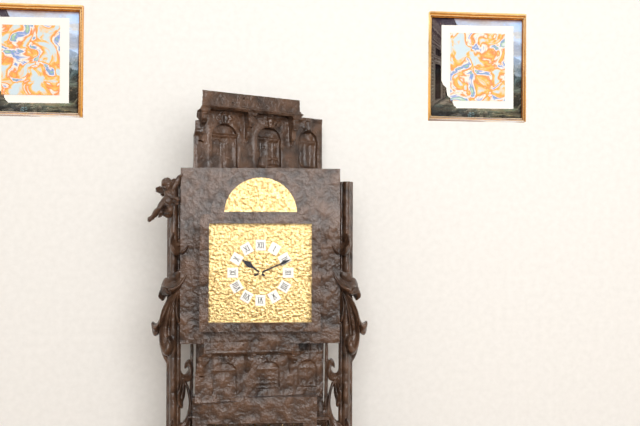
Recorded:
h=10 m=11
